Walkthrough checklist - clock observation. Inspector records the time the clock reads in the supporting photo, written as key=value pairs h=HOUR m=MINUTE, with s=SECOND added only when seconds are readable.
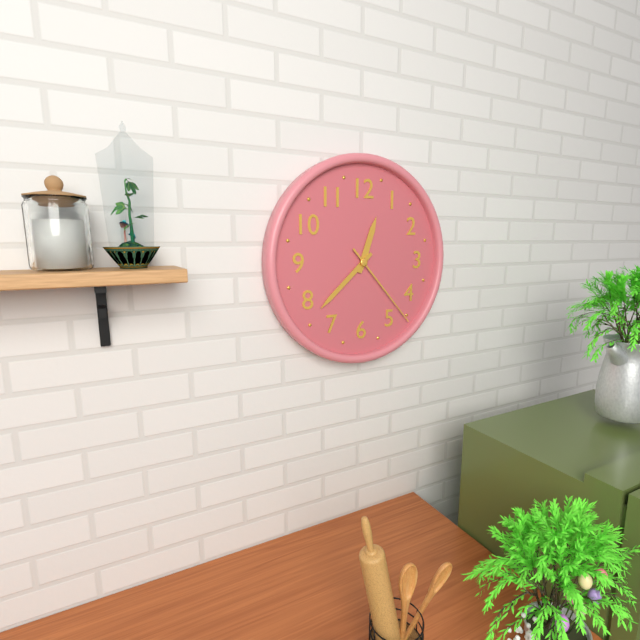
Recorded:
h=12 m=38 s=23
